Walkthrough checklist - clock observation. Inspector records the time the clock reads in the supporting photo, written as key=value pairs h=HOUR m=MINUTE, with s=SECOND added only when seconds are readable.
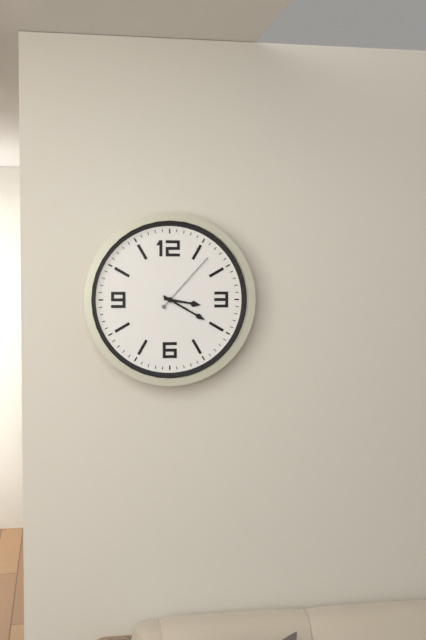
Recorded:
h=3 m=20 s=7
